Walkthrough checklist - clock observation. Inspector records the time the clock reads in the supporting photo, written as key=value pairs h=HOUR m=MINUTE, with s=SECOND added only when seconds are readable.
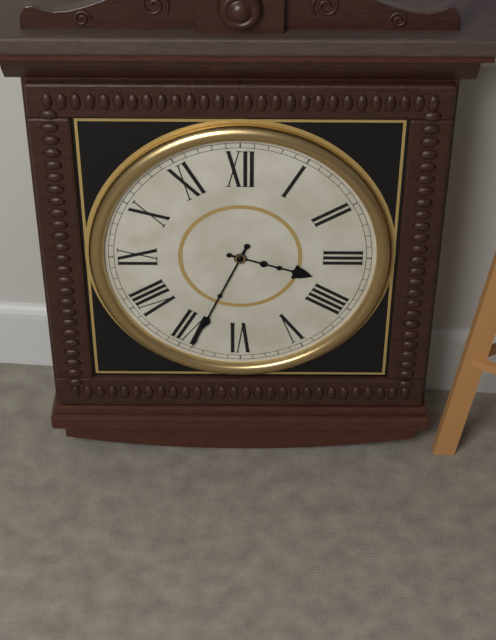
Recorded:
h=3 m=34
